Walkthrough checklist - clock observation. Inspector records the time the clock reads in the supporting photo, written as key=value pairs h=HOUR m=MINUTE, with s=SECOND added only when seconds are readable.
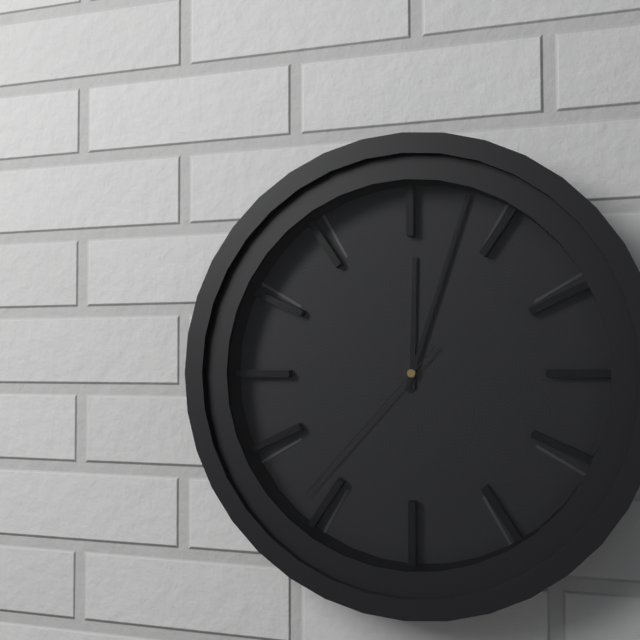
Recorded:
h=12 m=3 s=37
